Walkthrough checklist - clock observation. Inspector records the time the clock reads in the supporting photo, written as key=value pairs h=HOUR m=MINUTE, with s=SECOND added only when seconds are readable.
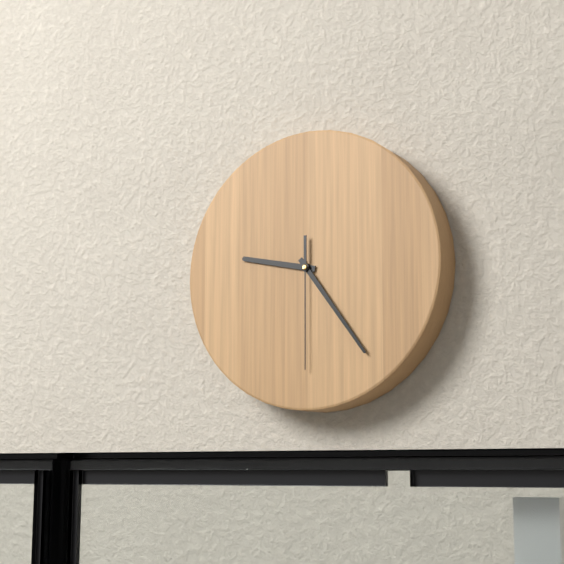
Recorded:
h=9 m=24 s=30
